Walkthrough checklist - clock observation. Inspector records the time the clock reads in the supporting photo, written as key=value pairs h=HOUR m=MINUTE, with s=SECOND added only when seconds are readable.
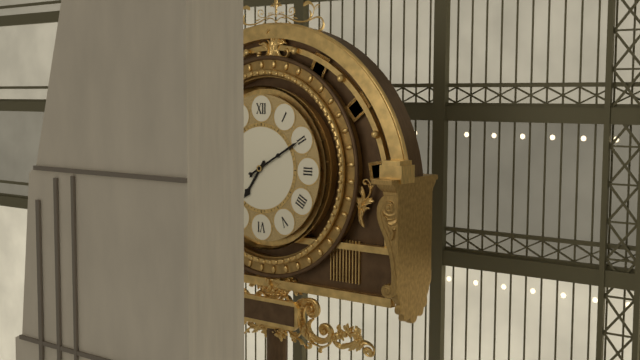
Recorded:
h=7 m=10
